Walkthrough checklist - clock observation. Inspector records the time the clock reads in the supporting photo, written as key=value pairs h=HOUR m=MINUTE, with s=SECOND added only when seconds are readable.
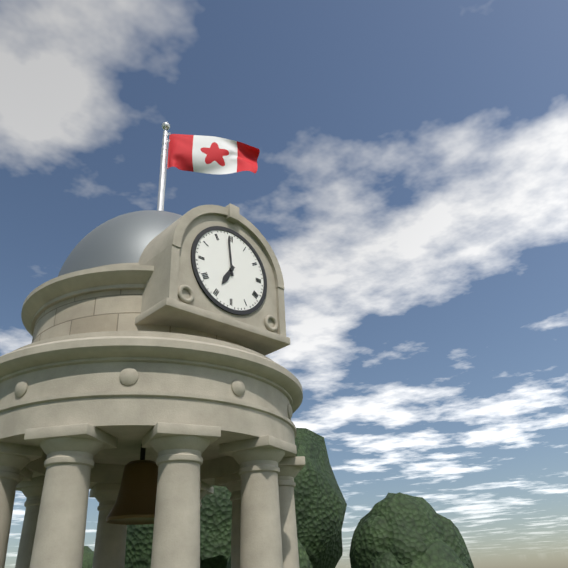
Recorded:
h=6 m=59
